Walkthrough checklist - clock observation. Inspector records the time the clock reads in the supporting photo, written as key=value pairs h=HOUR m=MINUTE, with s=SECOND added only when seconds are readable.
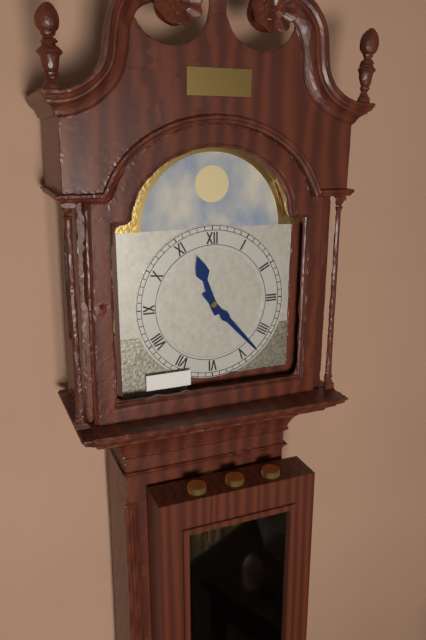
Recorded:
h=11 m=23
